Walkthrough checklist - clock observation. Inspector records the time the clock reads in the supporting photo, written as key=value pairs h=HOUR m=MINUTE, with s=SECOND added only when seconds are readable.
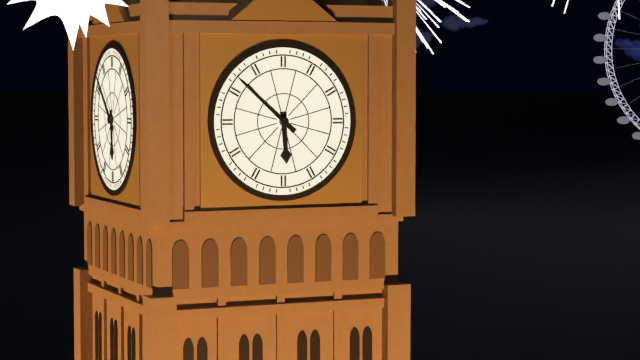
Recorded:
h=5 m=52
